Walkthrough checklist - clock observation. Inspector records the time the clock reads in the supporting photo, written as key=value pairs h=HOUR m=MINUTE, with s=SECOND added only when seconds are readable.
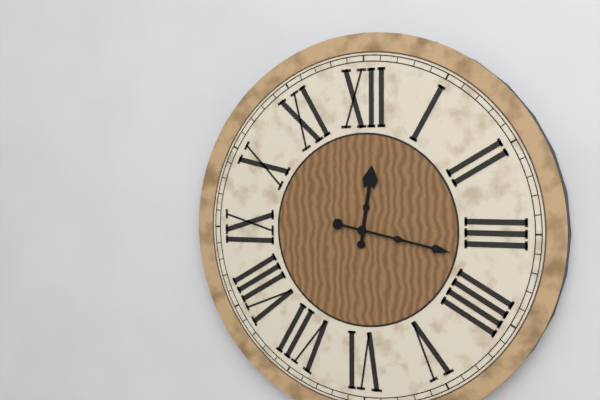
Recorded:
h=12 m=17
